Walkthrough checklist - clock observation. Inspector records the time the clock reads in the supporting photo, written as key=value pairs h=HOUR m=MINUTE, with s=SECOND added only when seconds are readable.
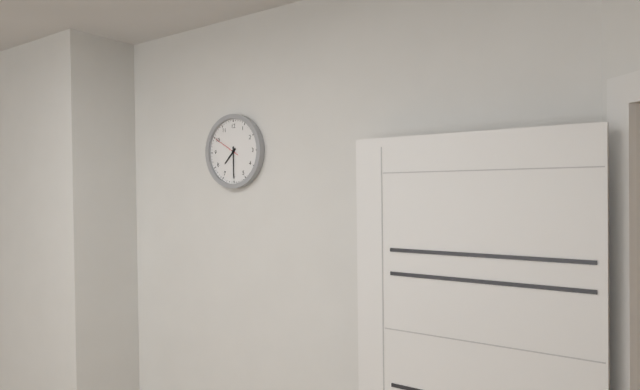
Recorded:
h=7 m=30
